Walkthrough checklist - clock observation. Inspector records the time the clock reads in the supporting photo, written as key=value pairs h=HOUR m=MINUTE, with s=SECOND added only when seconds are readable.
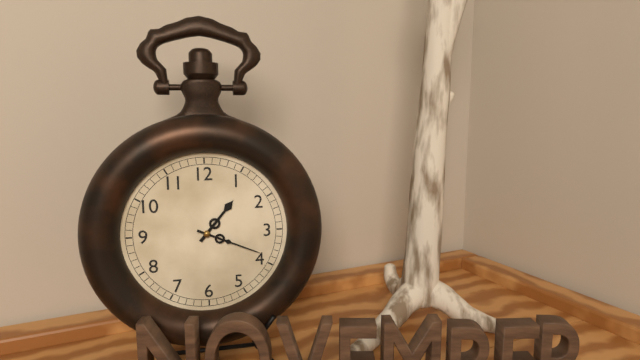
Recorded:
h=1 m=19
